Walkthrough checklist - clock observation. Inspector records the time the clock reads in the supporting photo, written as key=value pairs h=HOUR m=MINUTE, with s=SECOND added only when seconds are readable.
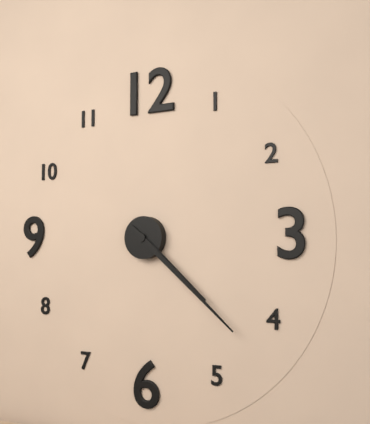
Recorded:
h=4 m=22
